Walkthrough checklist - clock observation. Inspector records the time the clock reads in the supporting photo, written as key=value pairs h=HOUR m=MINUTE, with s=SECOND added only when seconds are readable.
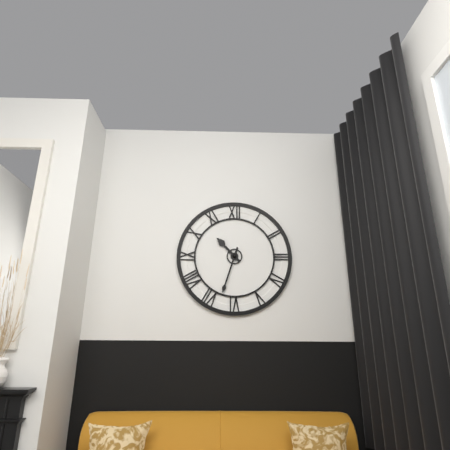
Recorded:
h=10 m=33
